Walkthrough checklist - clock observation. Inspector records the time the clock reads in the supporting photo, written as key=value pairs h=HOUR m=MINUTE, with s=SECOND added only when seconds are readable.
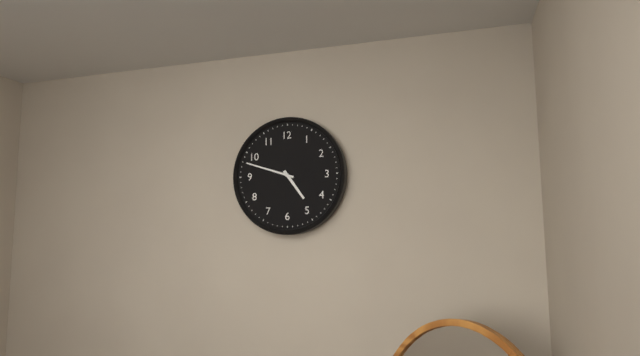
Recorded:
h=4 m=48
